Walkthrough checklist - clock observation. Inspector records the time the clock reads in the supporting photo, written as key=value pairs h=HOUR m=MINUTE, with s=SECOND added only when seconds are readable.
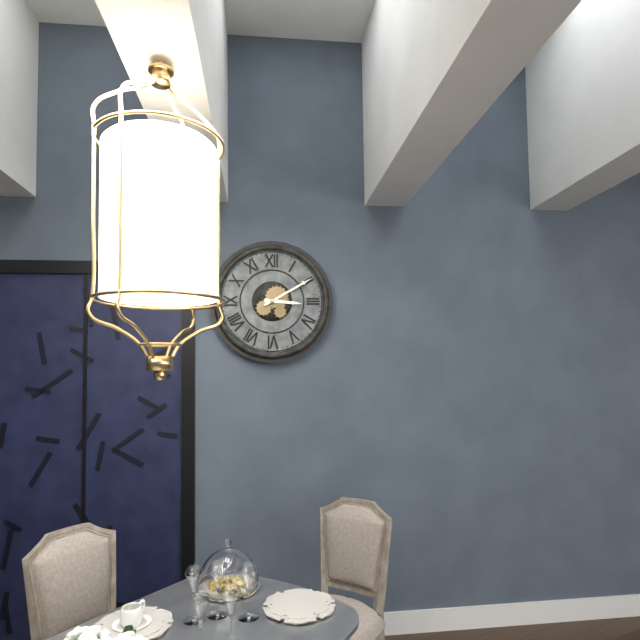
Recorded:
h=3 m=10
